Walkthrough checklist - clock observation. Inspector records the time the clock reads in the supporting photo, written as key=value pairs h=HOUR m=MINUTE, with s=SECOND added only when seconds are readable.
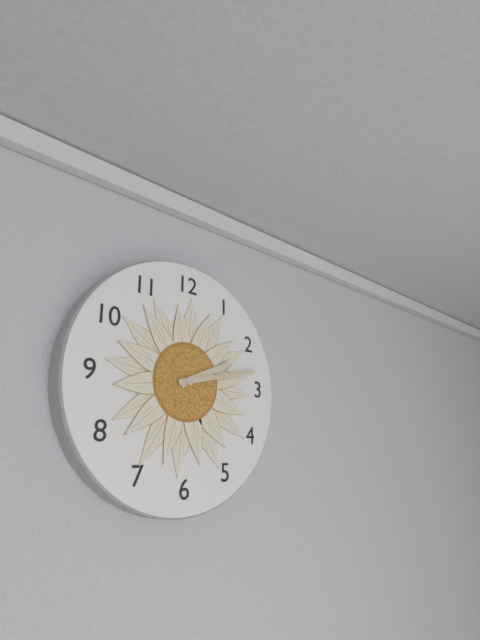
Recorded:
h=2 m=13
